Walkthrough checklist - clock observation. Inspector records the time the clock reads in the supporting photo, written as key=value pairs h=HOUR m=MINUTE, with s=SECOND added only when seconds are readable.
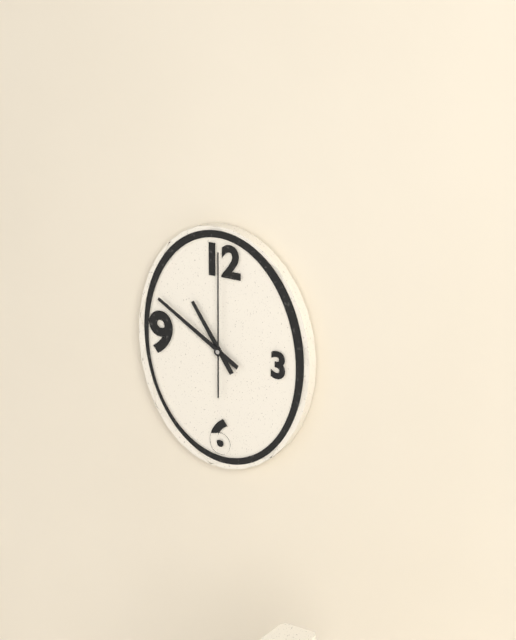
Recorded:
h=10 m=50 s=0
